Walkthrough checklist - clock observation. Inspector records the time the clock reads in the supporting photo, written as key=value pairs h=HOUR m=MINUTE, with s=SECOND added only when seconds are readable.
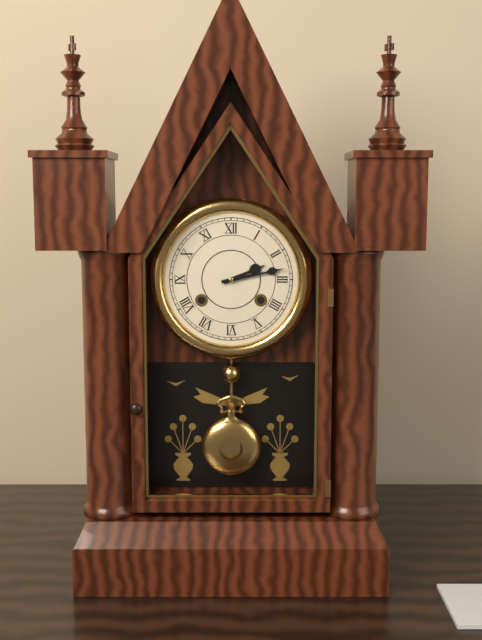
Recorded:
h=2 m=13
